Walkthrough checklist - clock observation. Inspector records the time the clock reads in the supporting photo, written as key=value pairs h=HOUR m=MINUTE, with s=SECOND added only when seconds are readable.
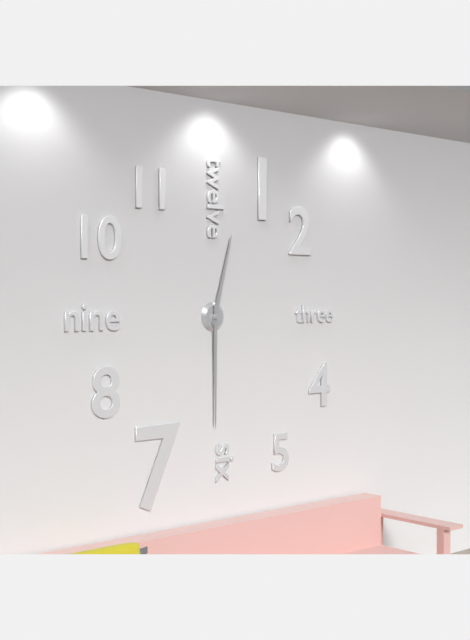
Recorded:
h=12 m=30
